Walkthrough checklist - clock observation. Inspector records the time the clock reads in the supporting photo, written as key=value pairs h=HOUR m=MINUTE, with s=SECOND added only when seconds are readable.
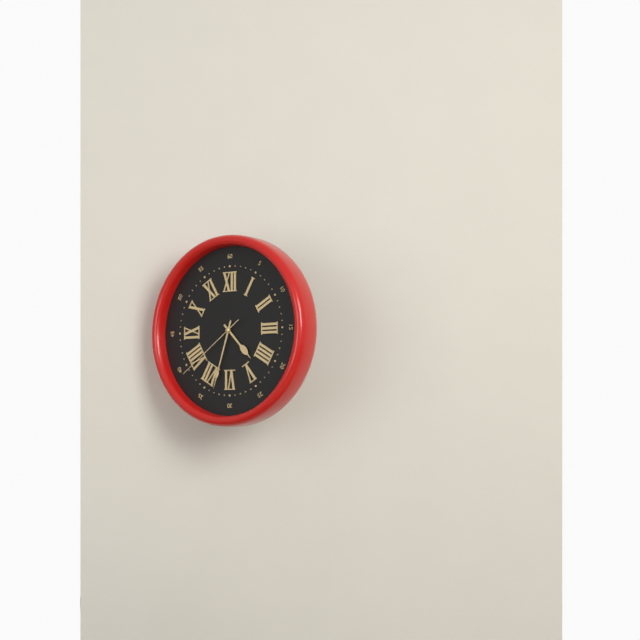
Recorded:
h=4 m=33 s=39
